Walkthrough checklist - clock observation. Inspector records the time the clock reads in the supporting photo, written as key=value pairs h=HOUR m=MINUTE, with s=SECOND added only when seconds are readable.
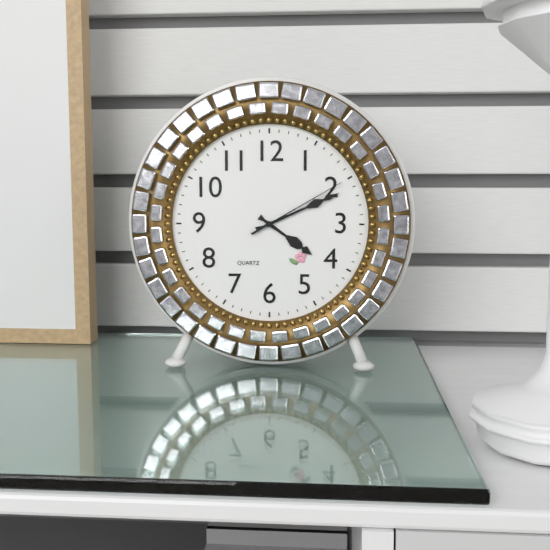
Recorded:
h=4 m=11 s=10
